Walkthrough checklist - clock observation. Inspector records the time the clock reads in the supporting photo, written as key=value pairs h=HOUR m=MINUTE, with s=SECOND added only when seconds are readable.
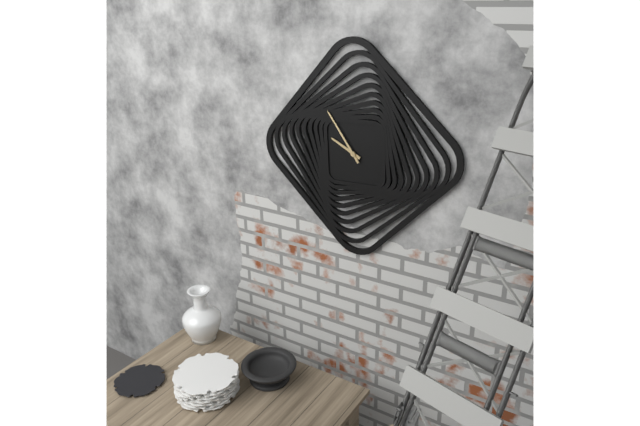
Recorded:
h=9 m=54
